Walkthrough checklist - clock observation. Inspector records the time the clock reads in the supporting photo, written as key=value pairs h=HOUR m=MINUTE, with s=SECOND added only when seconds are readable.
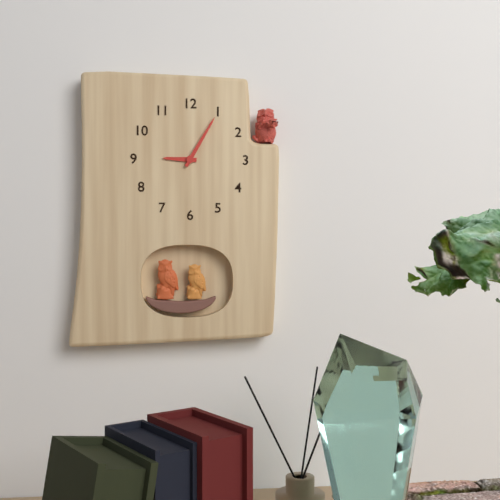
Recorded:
h=9 m=5
